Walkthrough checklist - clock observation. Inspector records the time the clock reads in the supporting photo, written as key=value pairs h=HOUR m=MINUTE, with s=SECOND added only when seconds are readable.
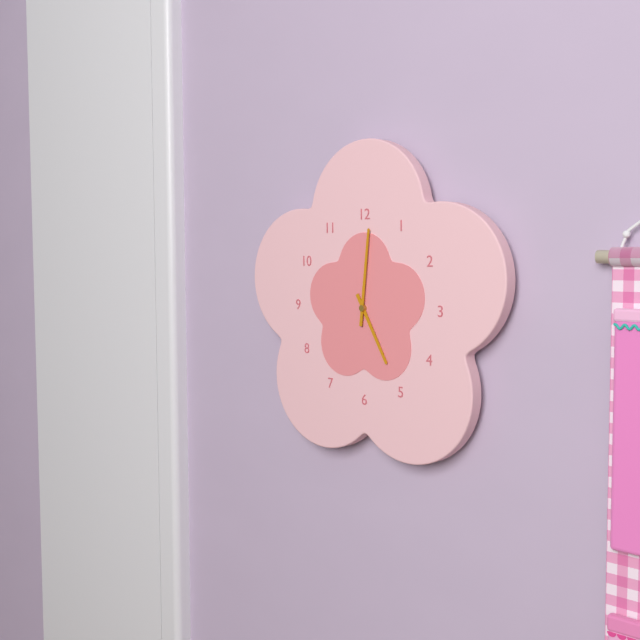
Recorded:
h=5 m=1
